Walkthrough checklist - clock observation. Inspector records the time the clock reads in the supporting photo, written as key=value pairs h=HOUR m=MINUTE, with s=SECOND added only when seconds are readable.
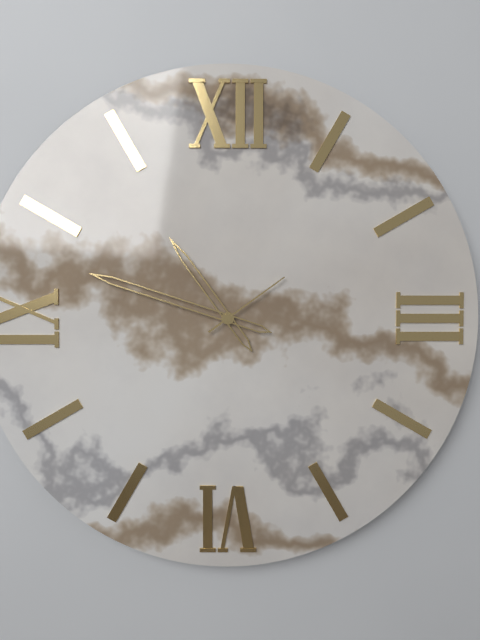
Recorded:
h=10 m=48 s=9
